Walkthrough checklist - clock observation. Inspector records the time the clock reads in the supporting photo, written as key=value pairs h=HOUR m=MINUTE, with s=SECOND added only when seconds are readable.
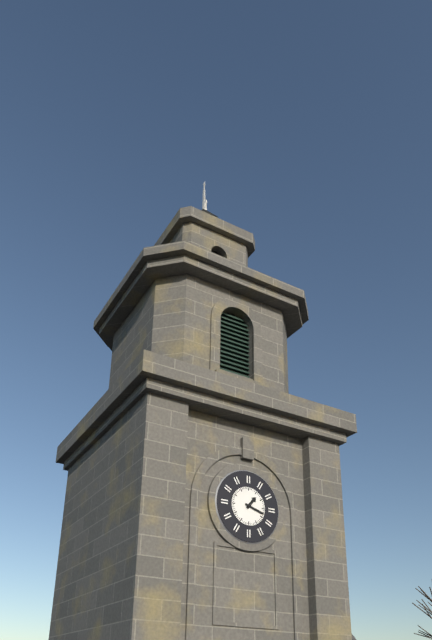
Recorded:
h=1 m=18
